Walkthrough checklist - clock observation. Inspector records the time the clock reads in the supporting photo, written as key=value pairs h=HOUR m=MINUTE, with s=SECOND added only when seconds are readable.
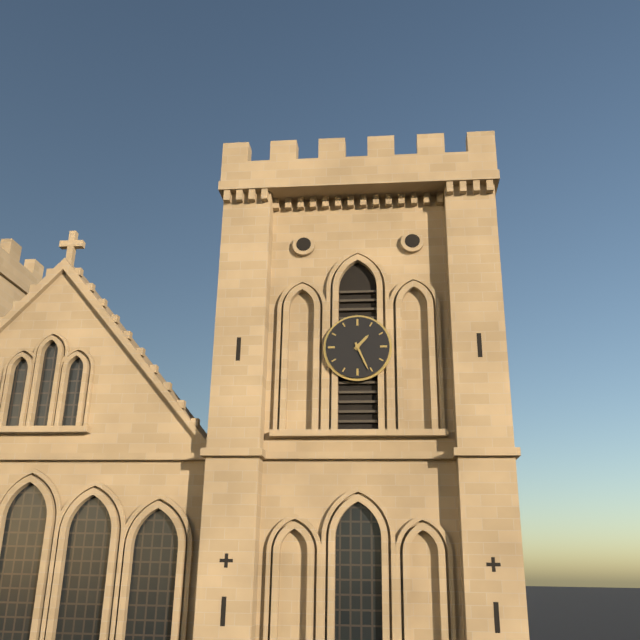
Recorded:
h=1 m=26
